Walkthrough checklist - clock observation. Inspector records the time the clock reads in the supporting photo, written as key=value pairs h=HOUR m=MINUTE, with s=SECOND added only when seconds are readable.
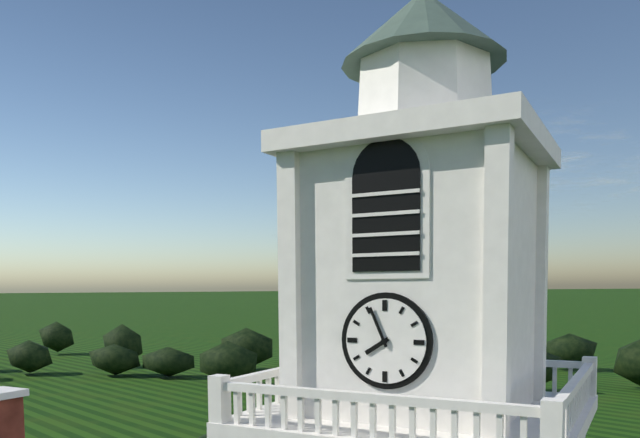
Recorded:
h=7 m=56
